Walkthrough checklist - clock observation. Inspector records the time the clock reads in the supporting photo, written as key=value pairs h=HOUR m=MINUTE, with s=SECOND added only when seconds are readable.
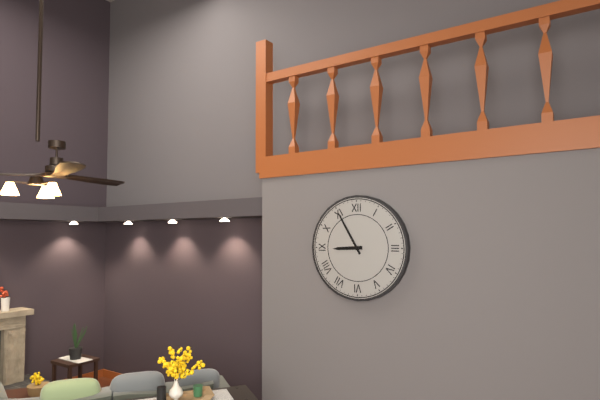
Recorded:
h=8 m=55
